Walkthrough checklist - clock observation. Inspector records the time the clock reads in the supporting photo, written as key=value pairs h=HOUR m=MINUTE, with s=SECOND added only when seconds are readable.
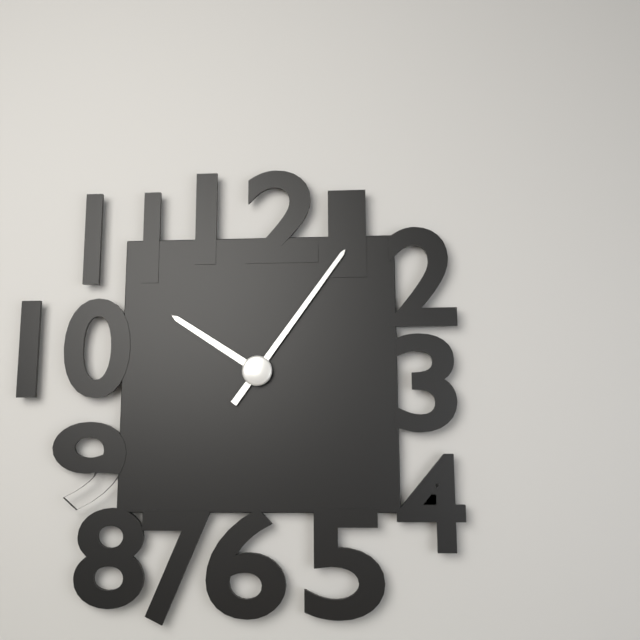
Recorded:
h=10 m=6
